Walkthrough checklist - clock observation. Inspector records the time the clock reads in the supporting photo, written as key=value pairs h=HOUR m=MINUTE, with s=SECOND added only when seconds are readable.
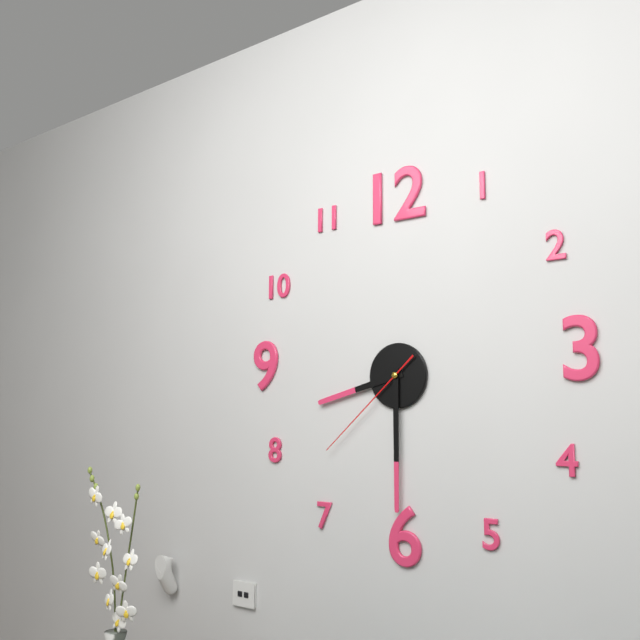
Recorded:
h=8 m=30 s=38
